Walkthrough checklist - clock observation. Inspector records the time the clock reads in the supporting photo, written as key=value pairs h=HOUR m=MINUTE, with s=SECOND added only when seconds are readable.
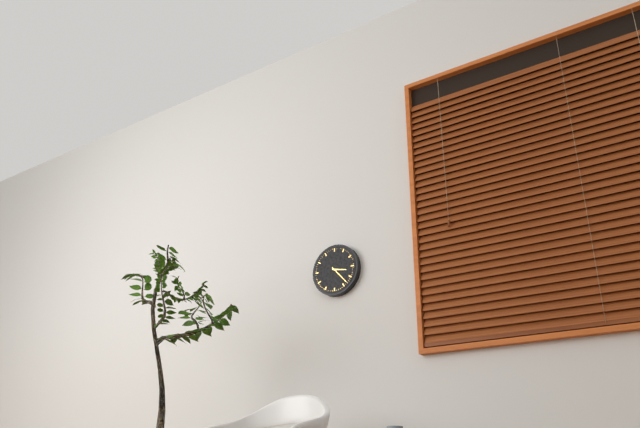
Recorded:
h=3 m=23
